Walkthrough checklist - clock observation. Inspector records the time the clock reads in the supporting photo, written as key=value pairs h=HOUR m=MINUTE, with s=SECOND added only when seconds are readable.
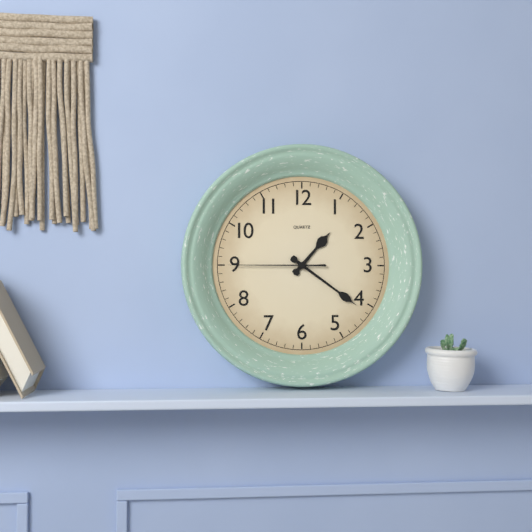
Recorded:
h=1 m=21 s=45
